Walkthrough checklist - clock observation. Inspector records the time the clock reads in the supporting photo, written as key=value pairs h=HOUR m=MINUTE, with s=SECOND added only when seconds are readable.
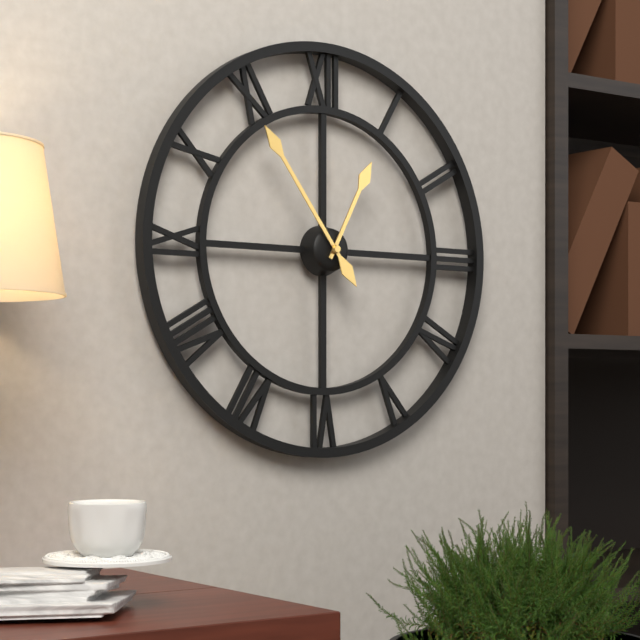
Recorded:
h=12 m=54
